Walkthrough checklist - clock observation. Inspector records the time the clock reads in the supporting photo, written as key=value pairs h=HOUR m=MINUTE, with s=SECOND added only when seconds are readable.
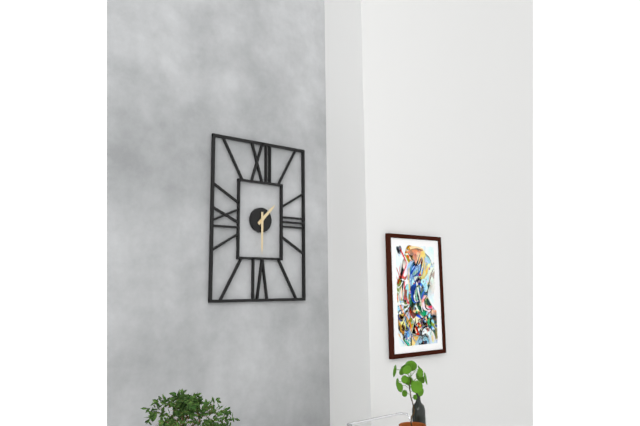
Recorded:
h=1 m=30
